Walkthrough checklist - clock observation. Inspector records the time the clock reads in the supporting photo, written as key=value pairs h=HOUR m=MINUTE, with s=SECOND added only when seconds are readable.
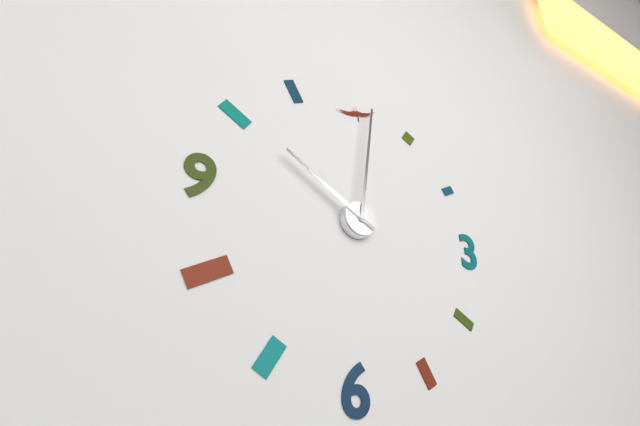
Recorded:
h=10 m=1
